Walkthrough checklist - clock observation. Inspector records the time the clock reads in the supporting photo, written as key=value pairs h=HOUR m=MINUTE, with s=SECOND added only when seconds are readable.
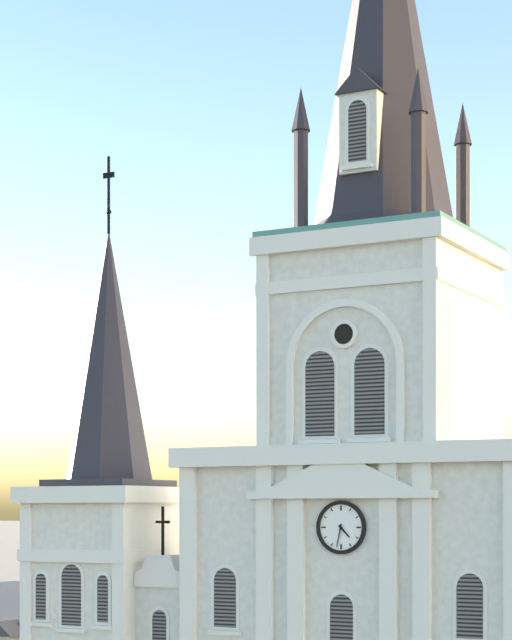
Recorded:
h=4 m=32
